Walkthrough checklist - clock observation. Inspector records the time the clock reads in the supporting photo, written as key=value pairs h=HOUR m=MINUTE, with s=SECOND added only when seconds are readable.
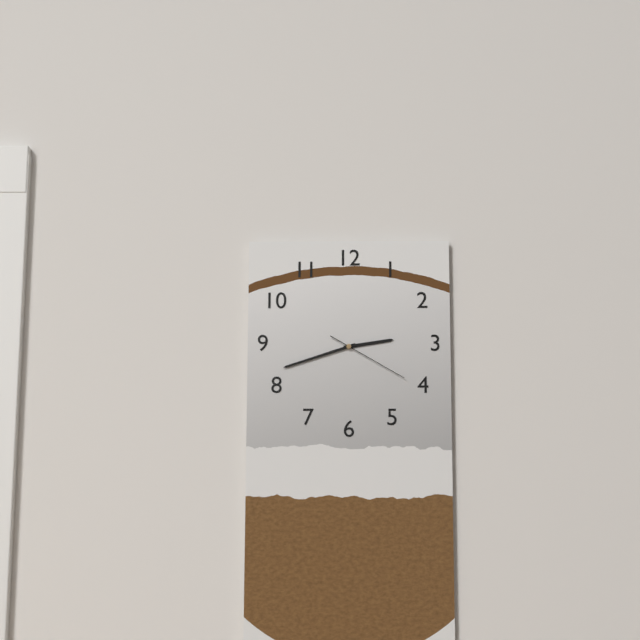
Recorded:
h=2 m=42 s=20
